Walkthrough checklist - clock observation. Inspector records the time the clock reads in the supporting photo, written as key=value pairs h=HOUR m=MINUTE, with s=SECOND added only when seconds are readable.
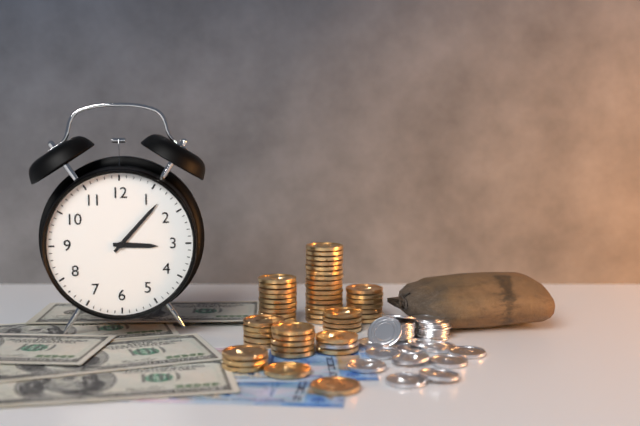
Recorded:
h=3 m=7
